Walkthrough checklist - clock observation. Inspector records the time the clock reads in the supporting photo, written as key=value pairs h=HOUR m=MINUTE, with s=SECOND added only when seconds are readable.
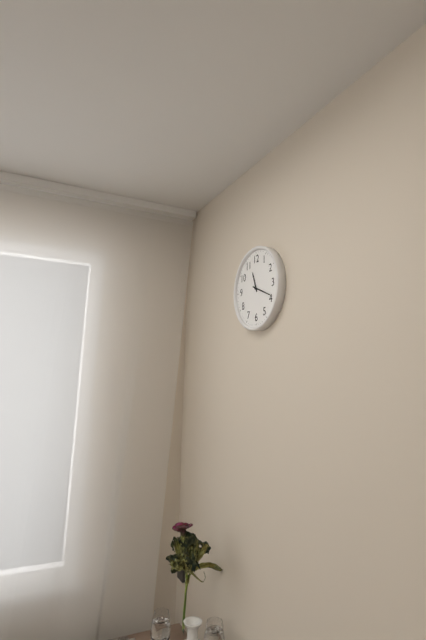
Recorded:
h=11 m=19
